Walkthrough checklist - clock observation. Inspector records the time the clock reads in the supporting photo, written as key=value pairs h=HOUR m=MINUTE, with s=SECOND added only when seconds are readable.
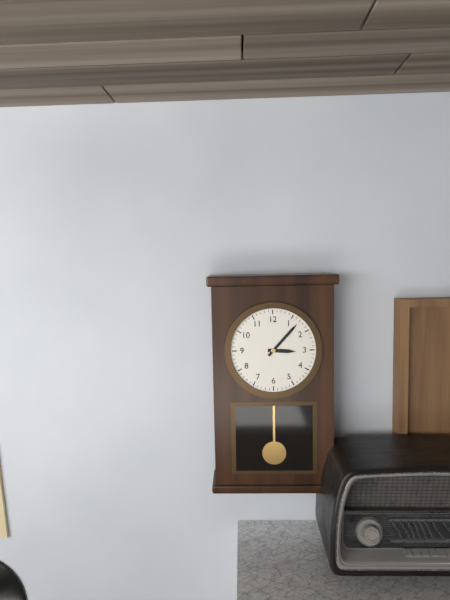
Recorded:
h=3 m=7
